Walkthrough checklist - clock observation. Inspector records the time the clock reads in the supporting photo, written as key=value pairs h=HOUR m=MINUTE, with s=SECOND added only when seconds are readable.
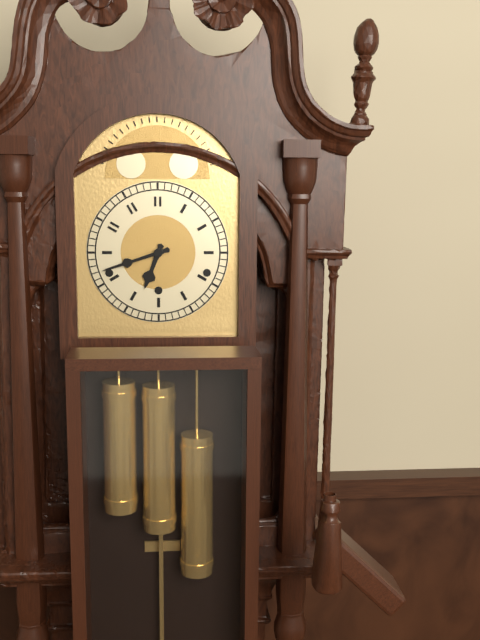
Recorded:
h=6 m=42
